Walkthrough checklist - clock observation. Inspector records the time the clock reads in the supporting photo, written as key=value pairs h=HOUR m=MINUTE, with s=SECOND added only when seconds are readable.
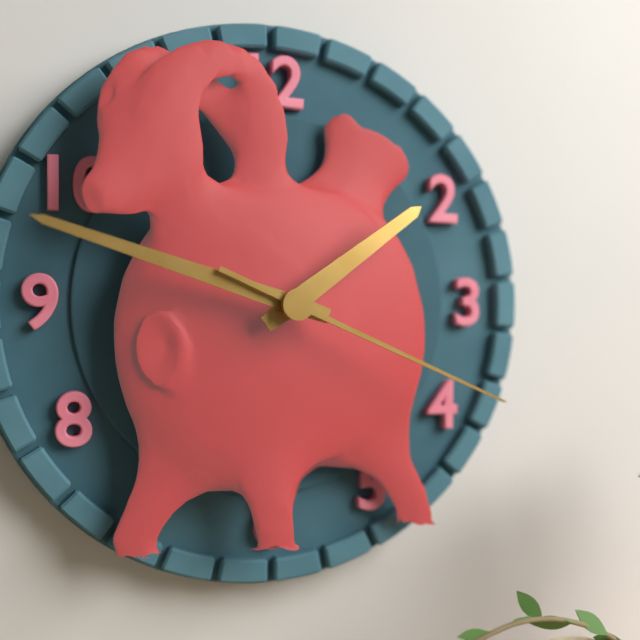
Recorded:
h=1 m=48 s=19
